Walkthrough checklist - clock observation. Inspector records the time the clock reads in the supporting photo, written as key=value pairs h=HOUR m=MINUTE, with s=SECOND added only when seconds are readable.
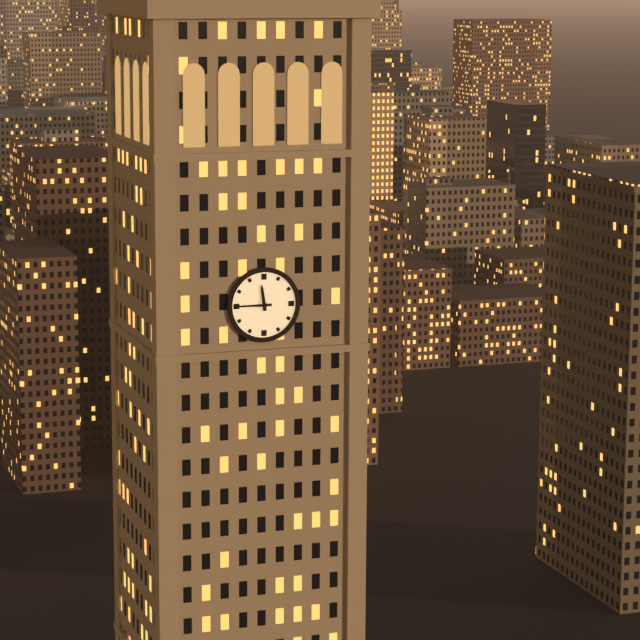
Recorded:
h=11 m=45
